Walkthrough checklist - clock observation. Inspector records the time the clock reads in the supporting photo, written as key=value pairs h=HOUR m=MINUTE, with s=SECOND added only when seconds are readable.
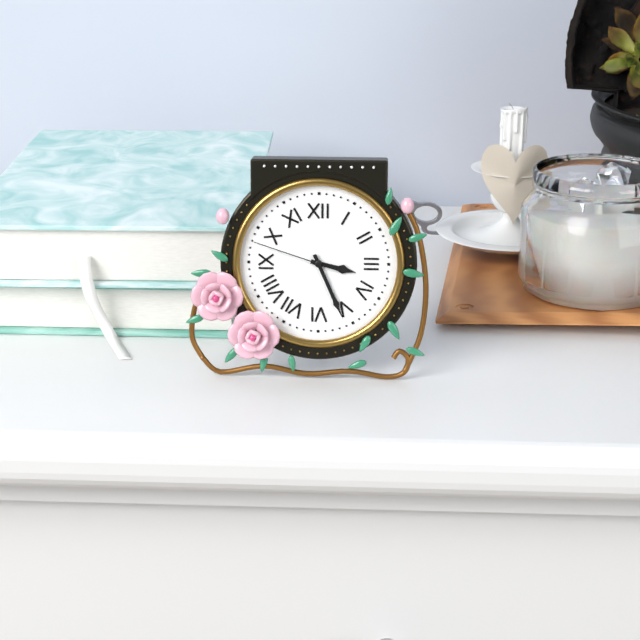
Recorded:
h=3 m=26 s=48
